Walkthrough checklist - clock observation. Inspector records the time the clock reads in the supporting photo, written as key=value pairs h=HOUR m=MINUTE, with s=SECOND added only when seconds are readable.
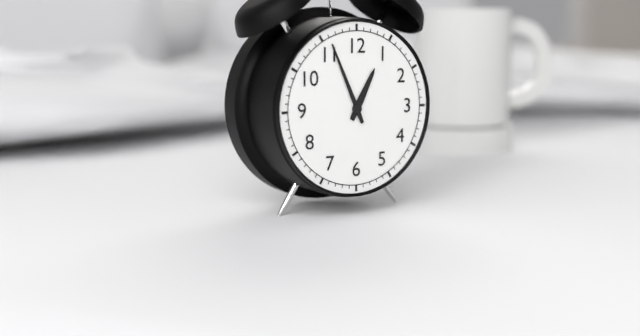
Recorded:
h=12 m=56
